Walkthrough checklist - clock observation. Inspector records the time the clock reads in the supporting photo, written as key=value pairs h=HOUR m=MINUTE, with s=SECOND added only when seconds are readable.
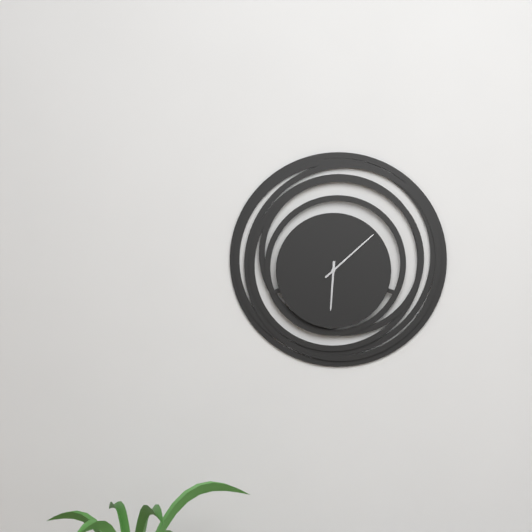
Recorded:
h=6 m=8
